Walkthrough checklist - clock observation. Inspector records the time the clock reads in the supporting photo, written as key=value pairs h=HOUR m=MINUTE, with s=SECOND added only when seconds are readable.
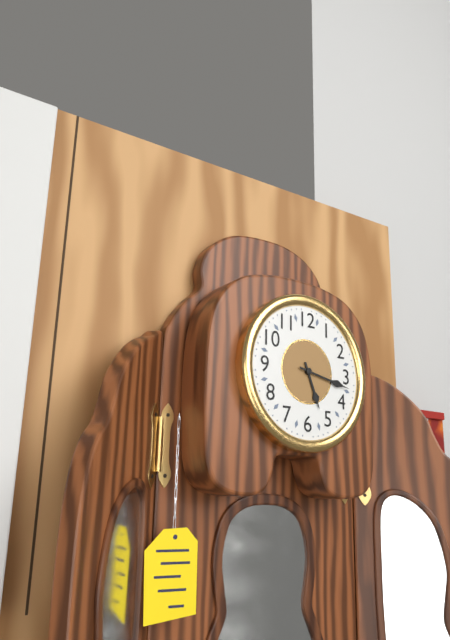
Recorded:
h=5 m=17
